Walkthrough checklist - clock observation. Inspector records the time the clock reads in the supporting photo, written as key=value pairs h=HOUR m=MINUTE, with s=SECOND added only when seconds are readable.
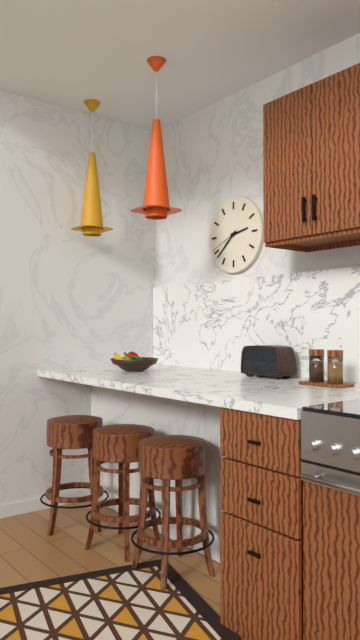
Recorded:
h=2 m=38
